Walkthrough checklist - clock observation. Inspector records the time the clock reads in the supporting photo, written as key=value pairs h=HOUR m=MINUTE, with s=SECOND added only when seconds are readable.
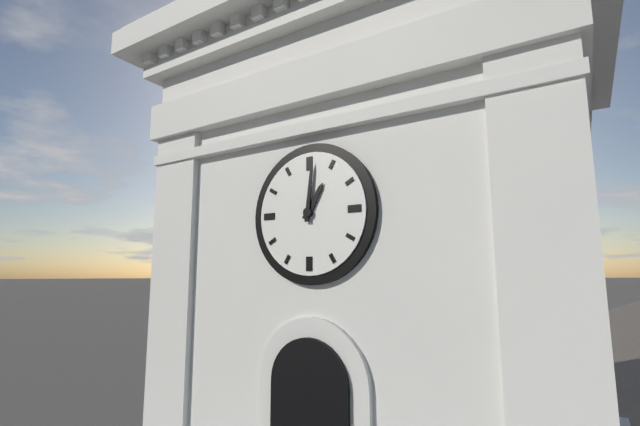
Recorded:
h=1 m=1
